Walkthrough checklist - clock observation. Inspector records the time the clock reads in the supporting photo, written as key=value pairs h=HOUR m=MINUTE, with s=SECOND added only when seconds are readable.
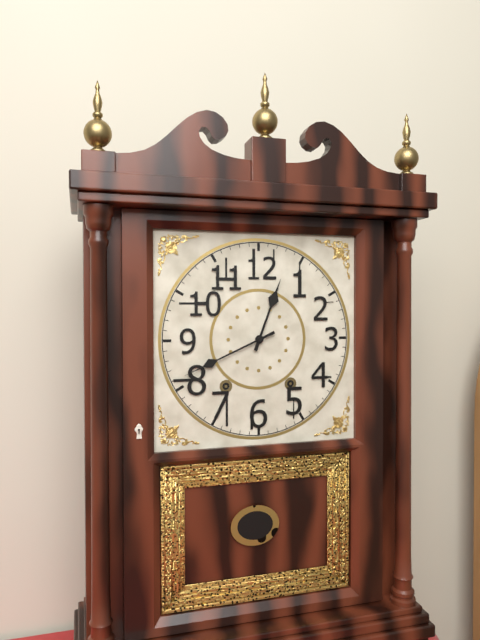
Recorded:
h=12 m=41
